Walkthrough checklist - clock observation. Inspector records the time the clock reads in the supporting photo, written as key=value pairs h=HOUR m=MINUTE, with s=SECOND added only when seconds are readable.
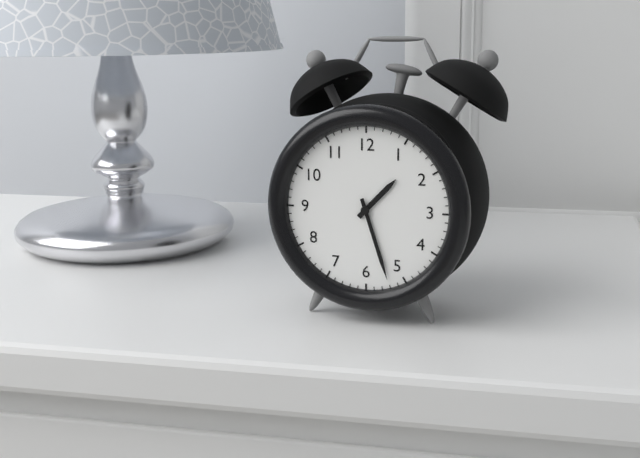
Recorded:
h=1 m=27
